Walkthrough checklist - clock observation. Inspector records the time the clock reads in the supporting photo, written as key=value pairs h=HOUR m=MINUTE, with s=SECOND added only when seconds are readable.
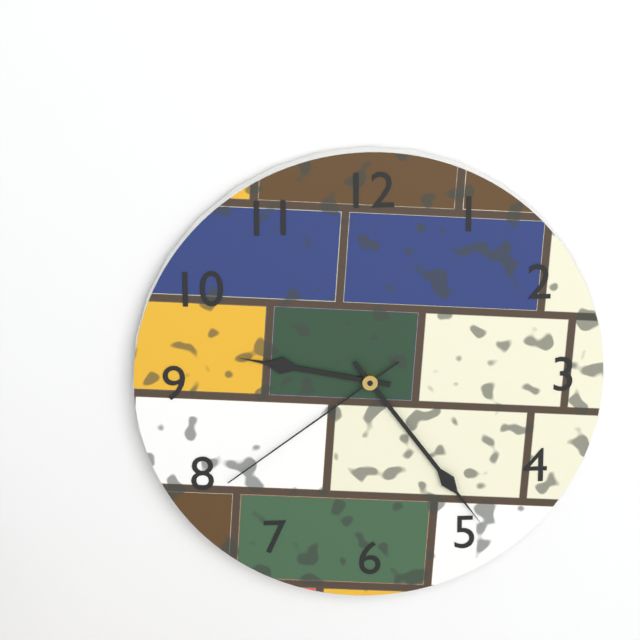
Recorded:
h=9 m=24 s=39
